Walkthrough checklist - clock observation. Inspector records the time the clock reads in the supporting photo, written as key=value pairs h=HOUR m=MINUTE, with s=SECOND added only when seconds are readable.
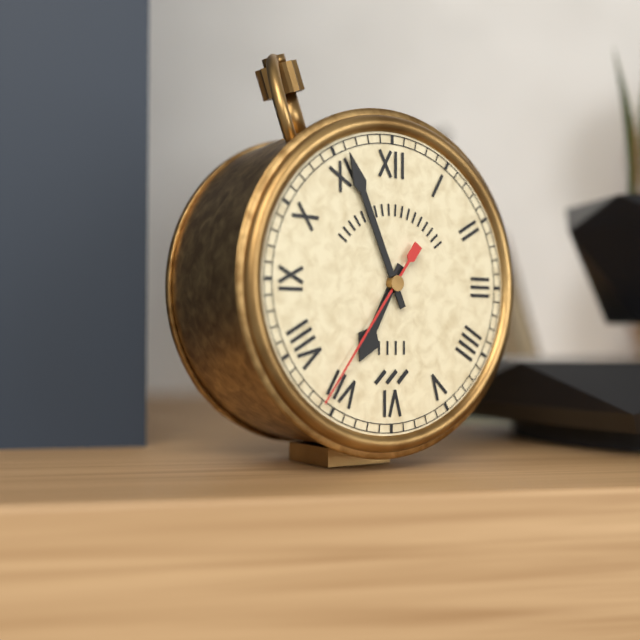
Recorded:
h=6 m=56 s=36
